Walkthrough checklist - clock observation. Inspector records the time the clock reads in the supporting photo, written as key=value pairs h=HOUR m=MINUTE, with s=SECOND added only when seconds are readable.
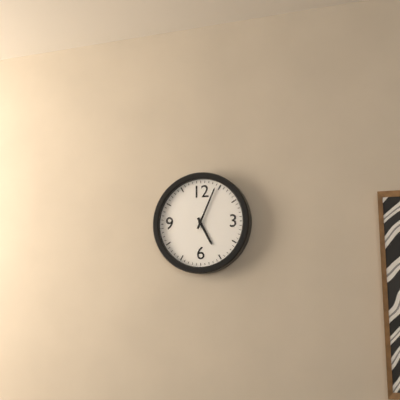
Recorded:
h=5 m=4
